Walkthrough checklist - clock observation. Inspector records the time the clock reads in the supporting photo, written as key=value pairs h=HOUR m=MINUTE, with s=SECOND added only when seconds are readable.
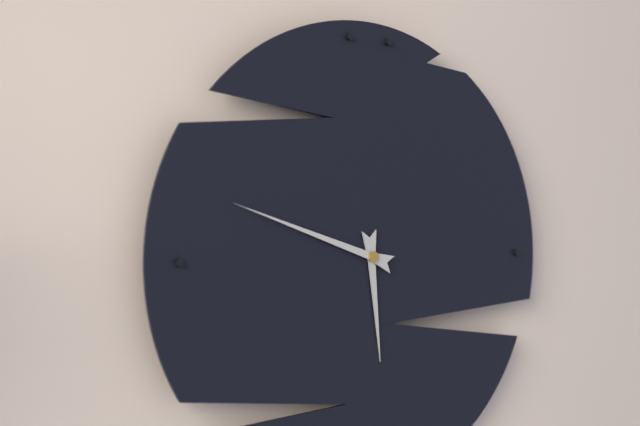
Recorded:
h=5 m=48
